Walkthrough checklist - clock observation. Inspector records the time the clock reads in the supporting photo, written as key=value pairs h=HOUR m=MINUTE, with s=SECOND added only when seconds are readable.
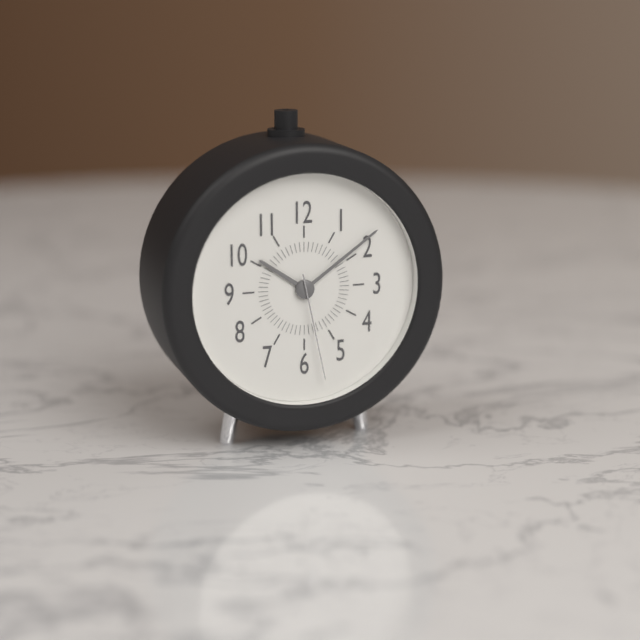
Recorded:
h=10 m=9 s=28
